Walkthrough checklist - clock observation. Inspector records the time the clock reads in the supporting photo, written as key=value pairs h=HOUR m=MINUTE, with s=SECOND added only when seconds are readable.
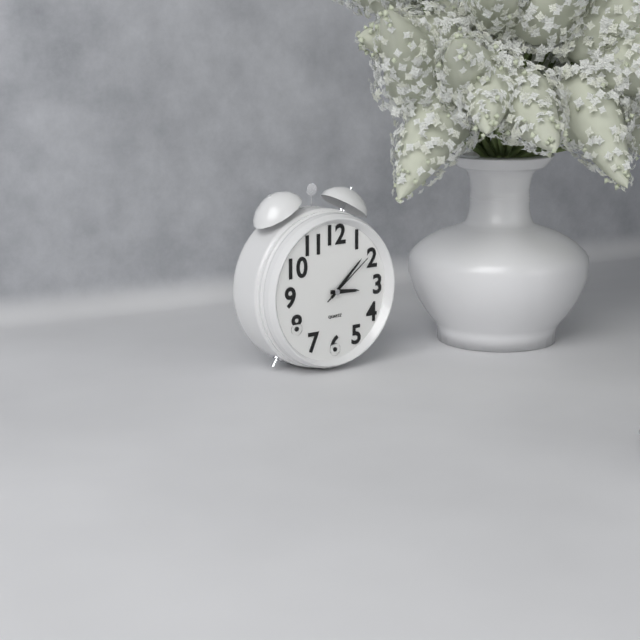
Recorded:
h=3 m=8 s=9
